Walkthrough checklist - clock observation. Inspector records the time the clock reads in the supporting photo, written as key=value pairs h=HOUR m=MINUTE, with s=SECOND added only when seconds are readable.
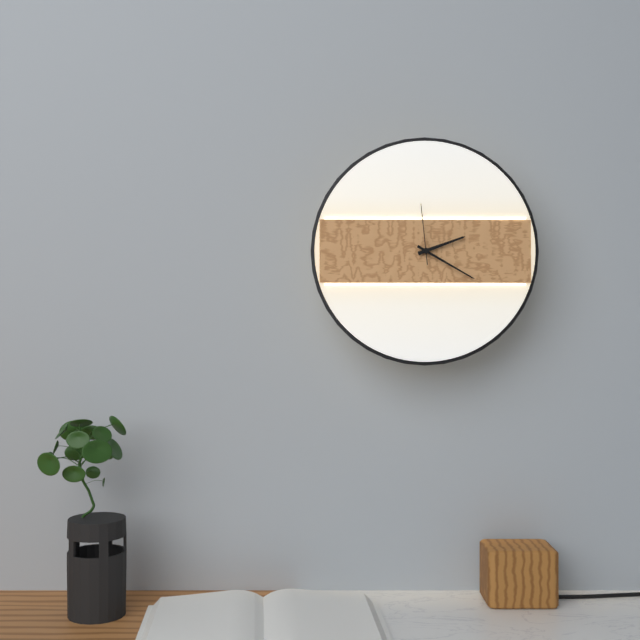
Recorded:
h=2 m=20 s=59
